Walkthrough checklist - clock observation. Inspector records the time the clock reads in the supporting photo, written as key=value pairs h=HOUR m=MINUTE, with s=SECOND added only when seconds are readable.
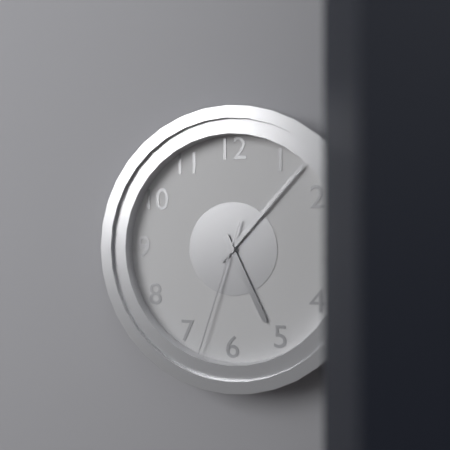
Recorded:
h=5 m=7 s=33
